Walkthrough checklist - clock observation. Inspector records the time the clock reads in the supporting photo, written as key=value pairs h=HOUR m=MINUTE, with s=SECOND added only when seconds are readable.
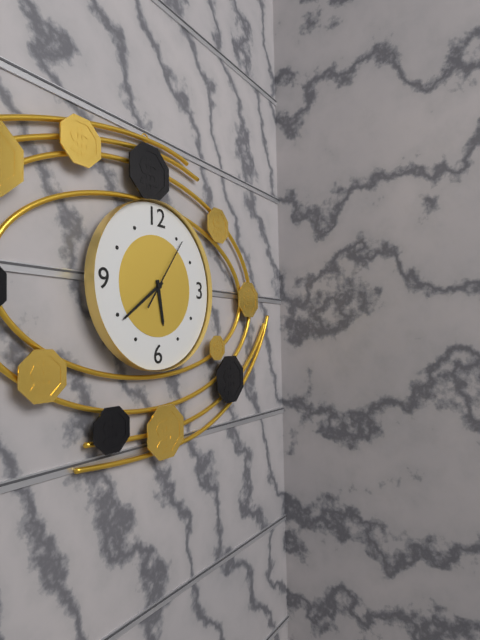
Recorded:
h=5 m=39 s=6
